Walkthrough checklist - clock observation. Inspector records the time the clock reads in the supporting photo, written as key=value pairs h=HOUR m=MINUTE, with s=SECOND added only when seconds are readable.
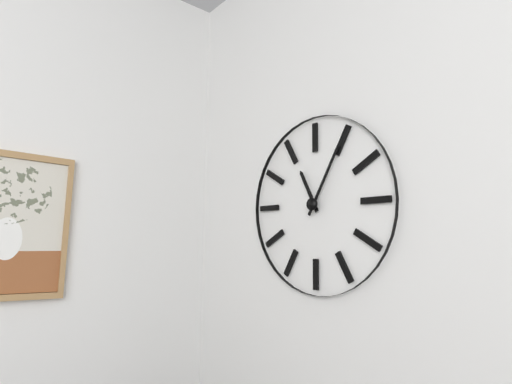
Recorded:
h=11 m=5
